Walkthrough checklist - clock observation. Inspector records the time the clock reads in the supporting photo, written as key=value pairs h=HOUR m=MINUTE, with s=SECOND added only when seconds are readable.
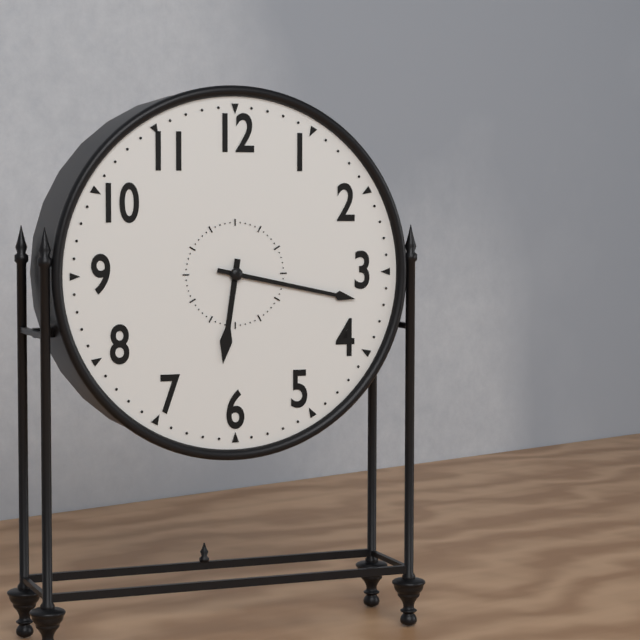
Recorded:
h=6 m=17
